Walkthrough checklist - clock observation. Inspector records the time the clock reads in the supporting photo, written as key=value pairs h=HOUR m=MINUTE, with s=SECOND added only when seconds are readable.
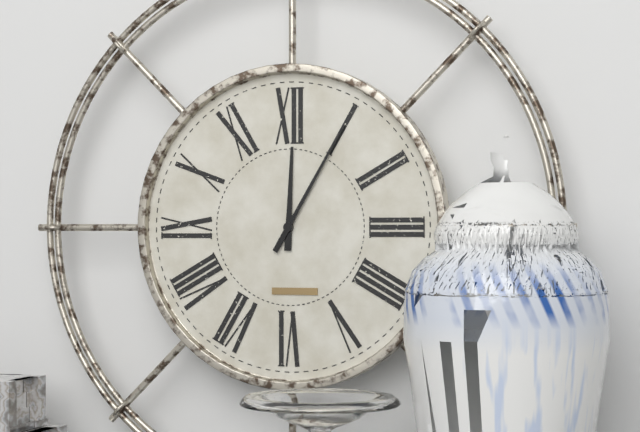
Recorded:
h=12 m=5
